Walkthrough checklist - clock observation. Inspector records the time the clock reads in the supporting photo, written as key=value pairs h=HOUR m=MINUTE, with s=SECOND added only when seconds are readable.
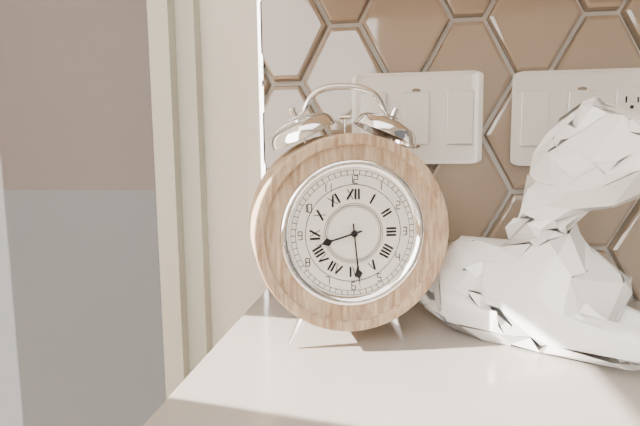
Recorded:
h=8 m=29
